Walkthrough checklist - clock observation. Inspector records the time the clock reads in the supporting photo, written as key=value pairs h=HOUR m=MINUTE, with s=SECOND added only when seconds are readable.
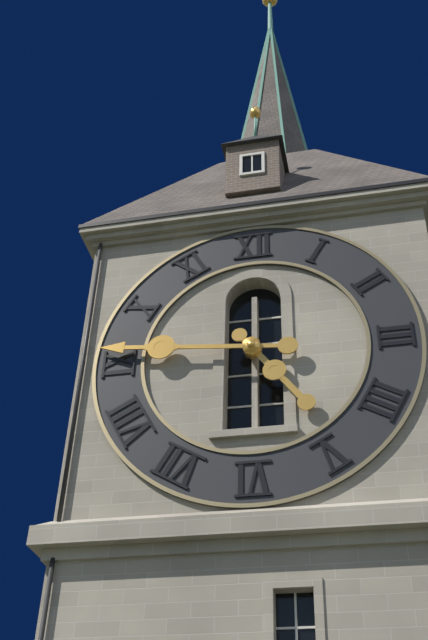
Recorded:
h=4 m=46
